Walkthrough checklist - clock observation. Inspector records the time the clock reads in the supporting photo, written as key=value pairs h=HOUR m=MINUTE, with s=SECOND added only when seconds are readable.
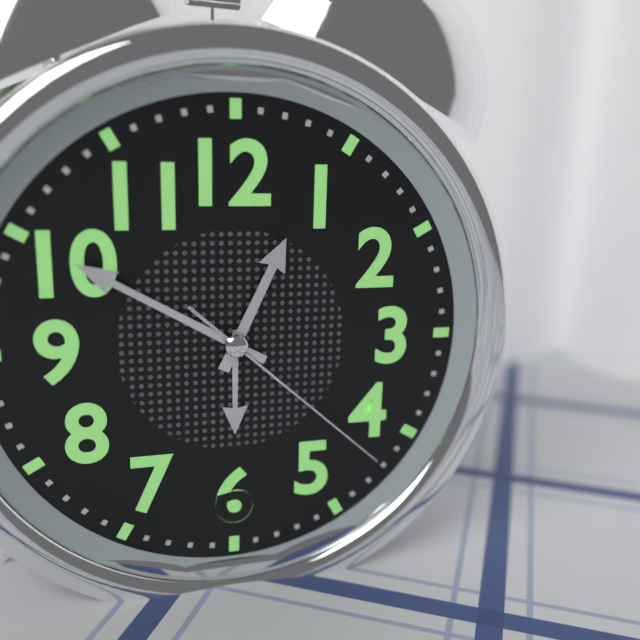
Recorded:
h=12 m=50 s=22
